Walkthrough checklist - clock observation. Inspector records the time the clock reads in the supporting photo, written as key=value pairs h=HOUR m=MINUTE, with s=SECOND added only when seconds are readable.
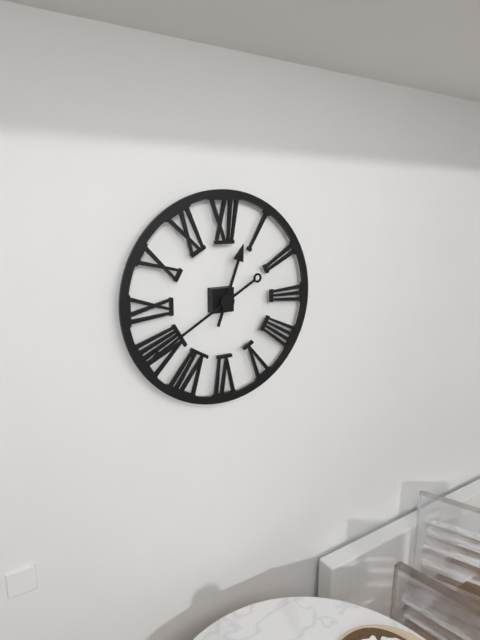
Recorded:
h=12 m=40
